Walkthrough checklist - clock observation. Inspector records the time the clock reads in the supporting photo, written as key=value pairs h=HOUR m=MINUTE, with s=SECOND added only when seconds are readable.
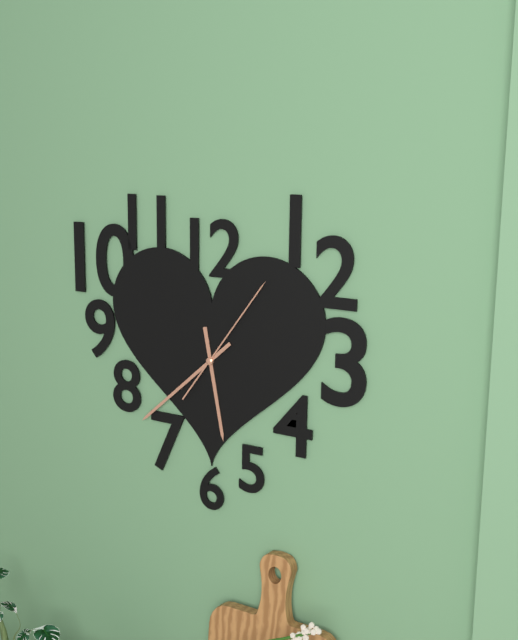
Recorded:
h=5 m=38 s=6
